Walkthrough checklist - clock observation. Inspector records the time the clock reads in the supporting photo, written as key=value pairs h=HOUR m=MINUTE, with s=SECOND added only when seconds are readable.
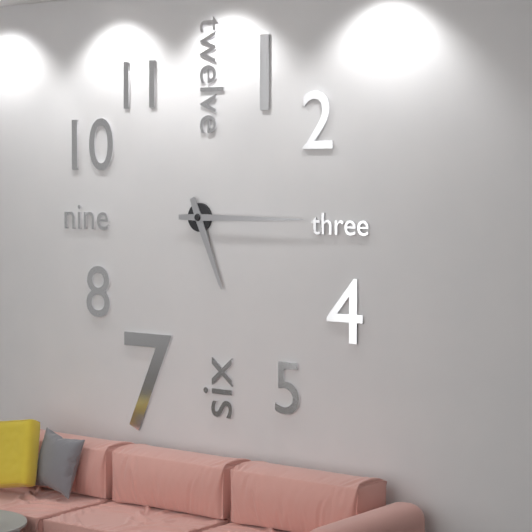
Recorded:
h=5 m=15
